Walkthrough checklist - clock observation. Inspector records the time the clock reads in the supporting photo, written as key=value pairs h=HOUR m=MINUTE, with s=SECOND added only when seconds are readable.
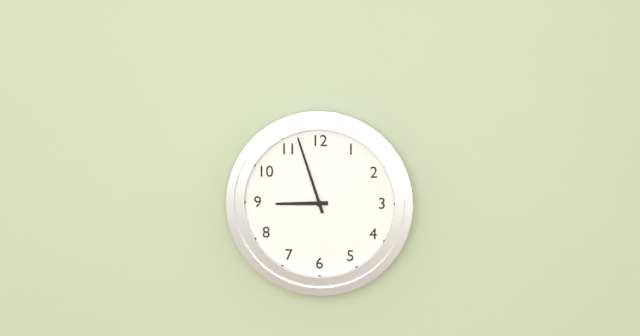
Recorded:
h=8 m=57
